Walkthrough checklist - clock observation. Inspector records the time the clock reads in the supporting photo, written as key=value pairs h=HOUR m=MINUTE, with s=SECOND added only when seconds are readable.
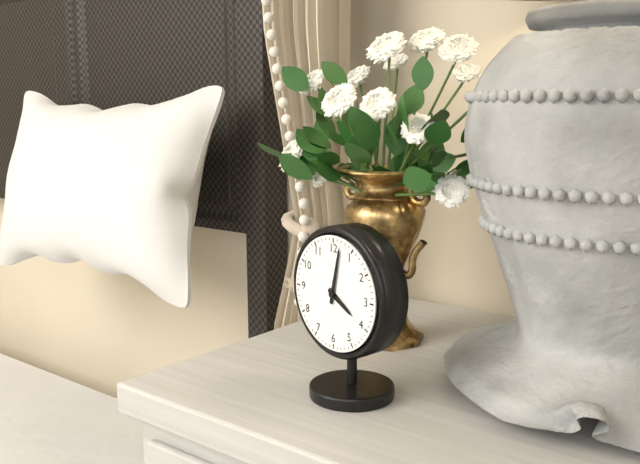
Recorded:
h=4 m=2
